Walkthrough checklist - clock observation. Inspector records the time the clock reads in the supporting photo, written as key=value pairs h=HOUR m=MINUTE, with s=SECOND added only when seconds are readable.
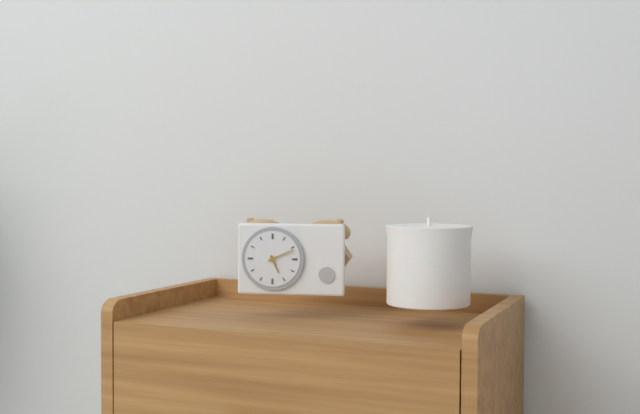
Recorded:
h=5 m=11
